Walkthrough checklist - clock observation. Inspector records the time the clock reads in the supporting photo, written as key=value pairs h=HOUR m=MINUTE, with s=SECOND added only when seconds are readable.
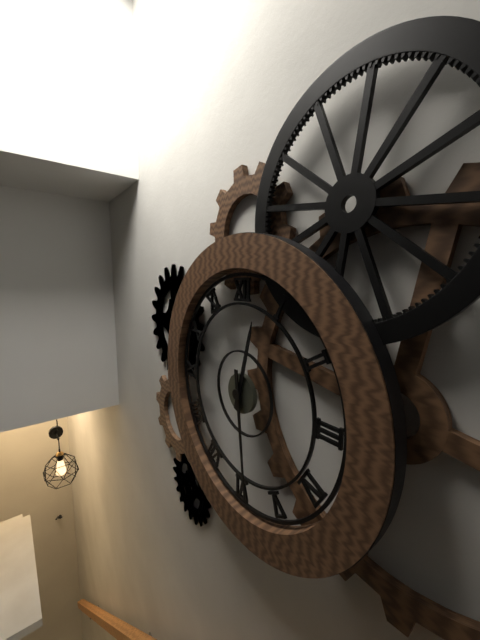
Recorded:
h=12 m=29
